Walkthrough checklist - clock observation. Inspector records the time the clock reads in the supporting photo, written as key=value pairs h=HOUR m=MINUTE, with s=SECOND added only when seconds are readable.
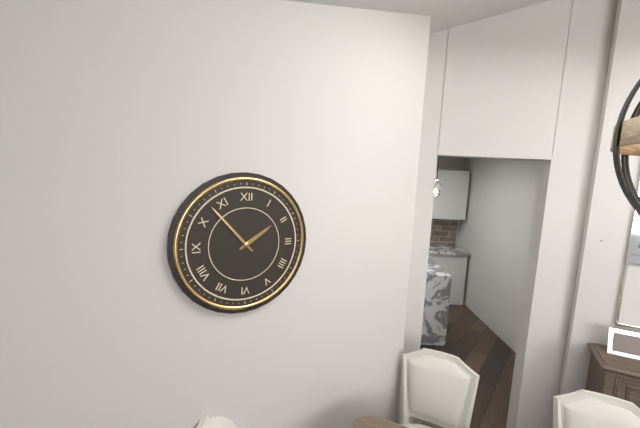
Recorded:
h=1 m=53
